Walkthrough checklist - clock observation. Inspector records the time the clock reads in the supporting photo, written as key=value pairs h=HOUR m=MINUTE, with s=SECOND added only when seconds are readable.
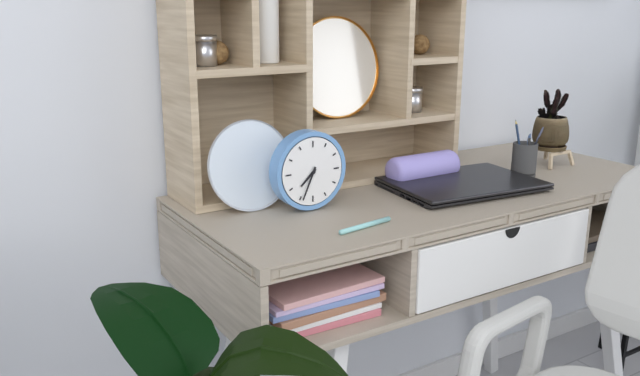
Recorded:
h=7 m=34
